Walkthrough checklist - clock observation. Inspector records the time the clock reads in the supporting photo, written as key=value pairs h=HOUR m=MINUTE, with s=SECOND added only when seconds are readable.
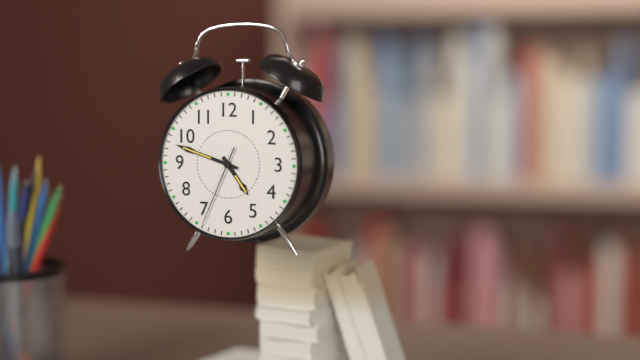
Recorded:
h=4 m=48 s=34
